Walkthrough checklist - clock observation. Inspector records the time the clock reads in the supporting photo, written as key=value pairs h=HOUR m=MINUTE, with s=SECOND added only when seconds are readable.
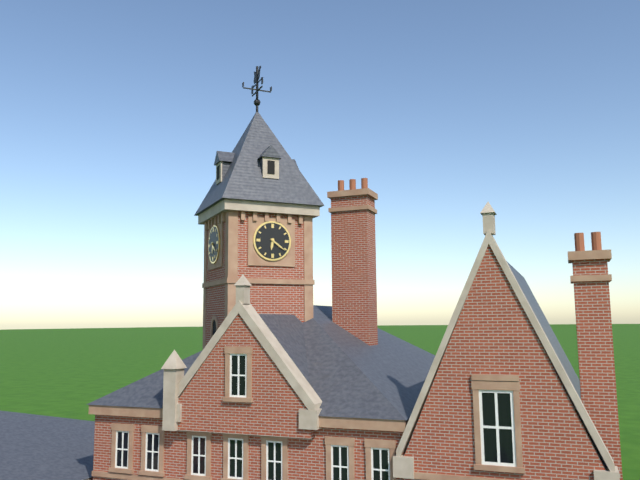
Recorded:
h=6 m=21
